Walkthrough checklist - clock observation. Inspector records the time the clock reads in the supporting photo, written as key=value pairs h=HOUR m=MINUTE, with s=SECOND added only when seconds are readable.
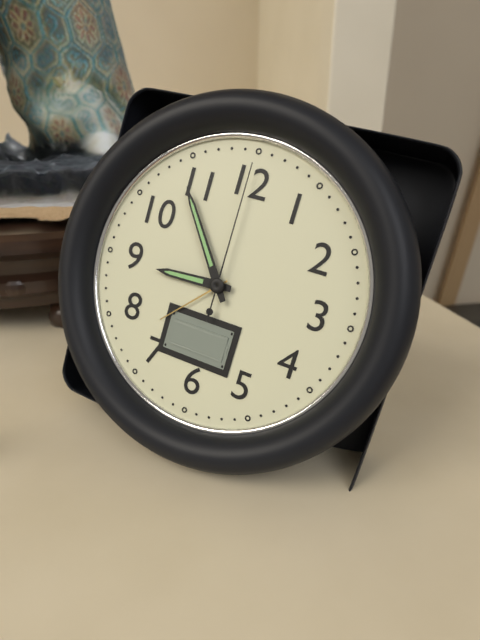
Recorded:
h=8 m=54 s=0
